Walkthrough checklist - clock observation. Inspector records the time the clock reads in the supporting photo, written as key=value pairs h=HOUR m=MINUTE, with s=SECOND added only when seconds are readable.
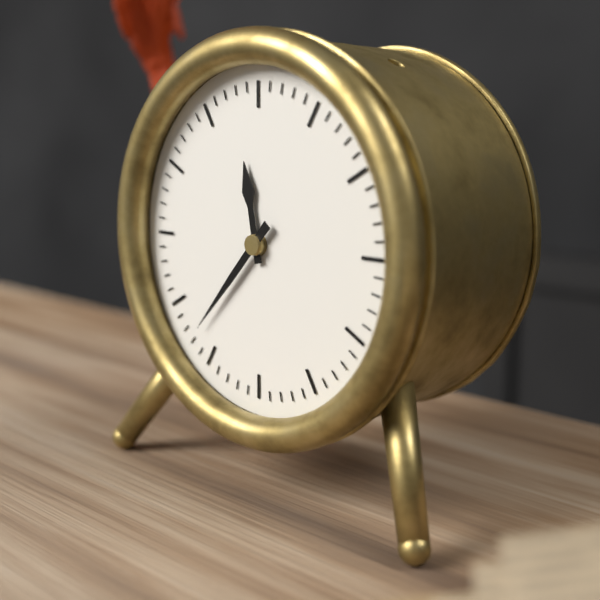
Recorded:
h=11 m=37
